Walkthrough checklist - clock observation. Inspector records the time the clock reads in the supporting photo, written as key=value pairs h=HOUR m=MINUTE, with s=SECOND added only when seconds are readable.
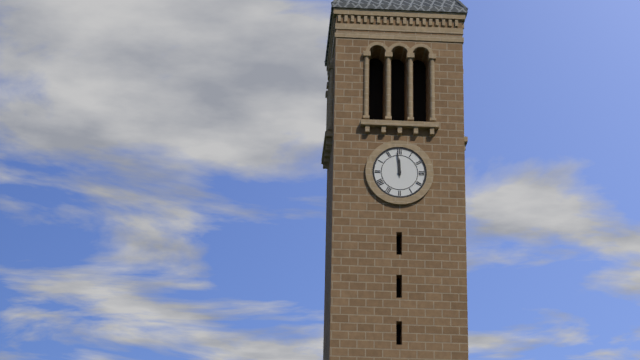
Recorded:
h=11 m=59
